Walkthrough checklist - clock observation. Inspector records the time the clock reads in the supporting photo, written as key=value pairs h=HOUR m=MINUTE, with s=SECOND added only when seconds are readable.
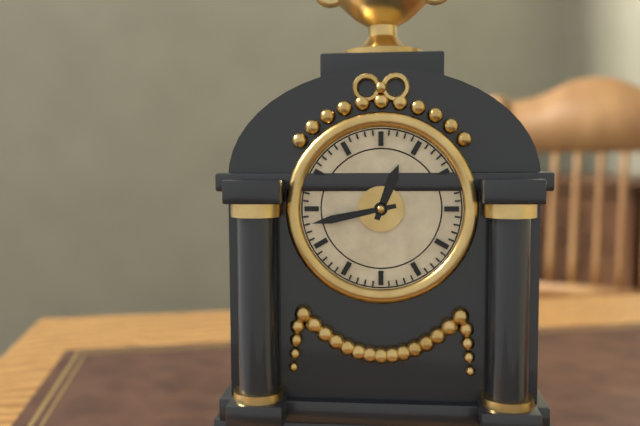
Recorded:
h=12 m=43
